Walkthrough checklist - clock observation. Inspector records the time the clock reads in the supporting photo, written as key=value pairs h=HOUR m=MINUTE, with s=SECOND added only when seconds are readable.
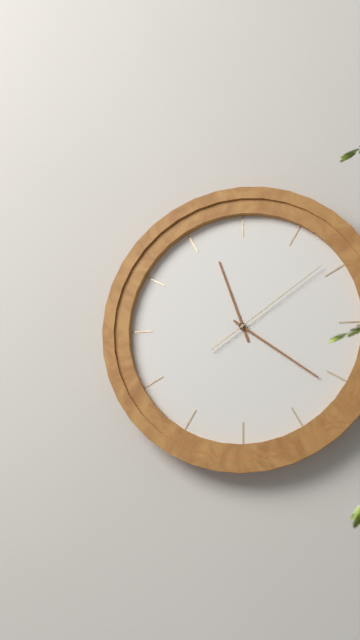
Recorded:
h=11 m=21 s=9
